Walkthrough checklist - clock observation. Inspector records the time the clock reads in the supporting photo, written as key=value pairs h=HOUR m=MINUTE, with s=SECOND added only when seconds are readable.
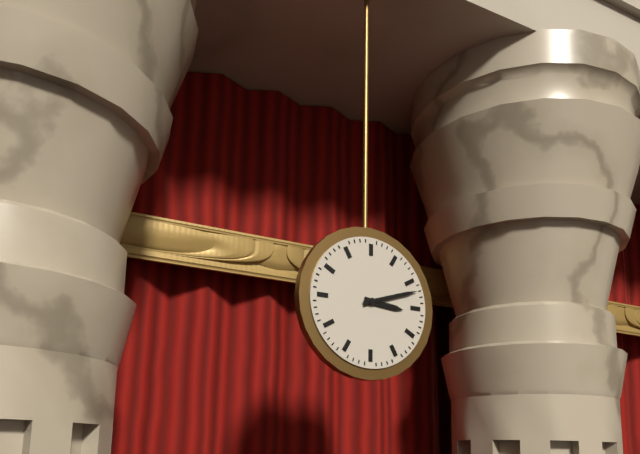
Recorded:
h=3 m=12
